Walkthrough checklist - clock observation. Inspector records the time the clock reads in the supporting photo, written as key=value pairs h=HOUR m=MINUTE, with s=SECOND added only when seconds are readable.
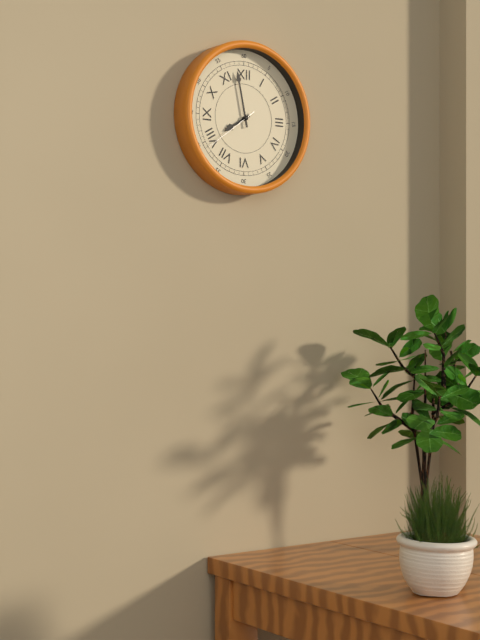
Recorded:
h=7 m=58 s=39
